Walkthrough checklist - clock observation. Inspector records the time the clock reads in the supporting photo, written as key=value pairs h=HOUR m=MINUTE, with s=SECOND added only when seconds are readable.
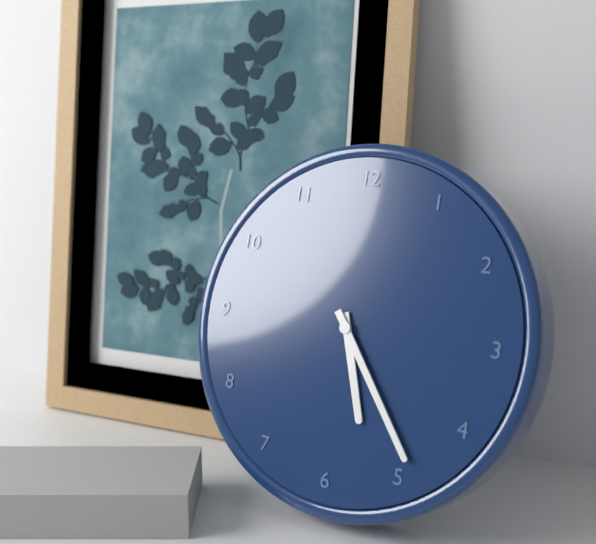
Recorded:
h=5 m=24
